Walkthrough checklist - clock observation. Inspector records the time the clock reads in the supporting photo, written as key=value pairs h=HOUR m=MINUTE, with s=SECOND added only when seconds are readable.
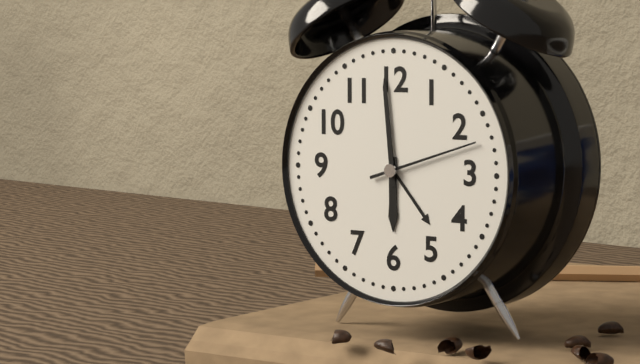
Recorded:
h=5 m=59 s=12
